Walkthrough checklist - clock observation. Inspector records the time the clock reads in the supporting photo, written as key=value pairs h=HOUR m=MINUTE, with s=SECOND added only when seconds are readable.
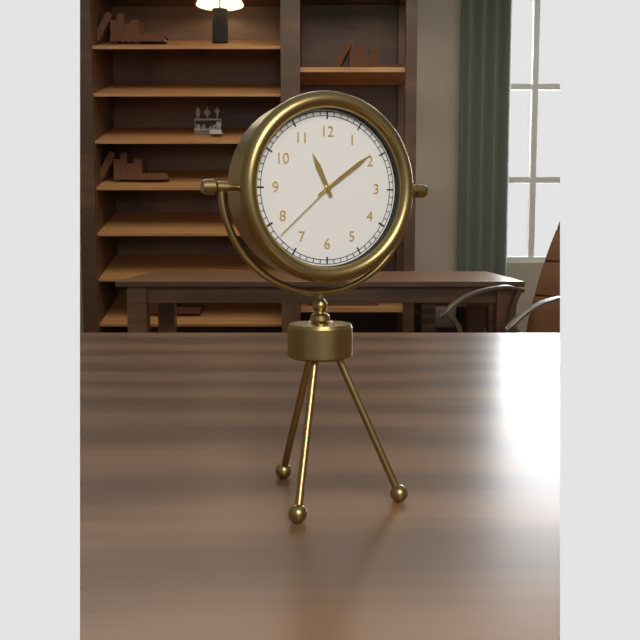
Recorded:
h=11 m=9 s=38
